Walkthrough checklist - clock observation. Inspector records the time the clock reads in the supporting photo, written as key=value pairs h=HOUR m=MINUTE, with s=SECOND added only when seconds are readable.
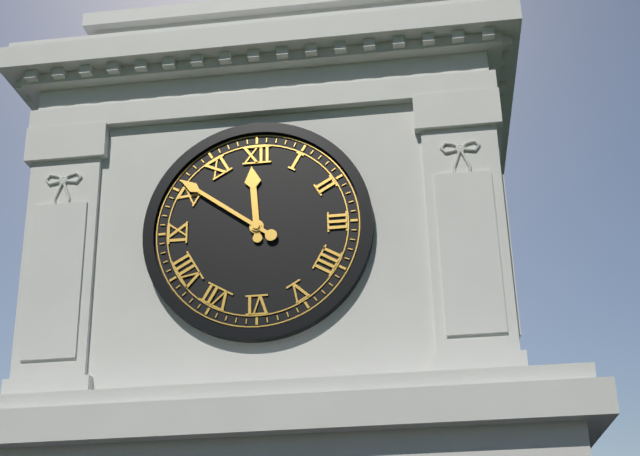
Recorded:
h=11 m=51
